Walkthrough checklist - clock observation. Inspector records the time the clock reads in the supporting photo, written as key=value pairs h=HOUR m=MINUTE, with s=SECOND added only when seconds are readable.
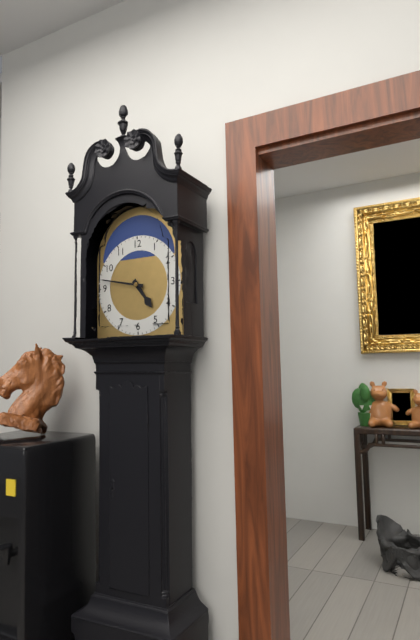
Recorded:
h=4 m=47
